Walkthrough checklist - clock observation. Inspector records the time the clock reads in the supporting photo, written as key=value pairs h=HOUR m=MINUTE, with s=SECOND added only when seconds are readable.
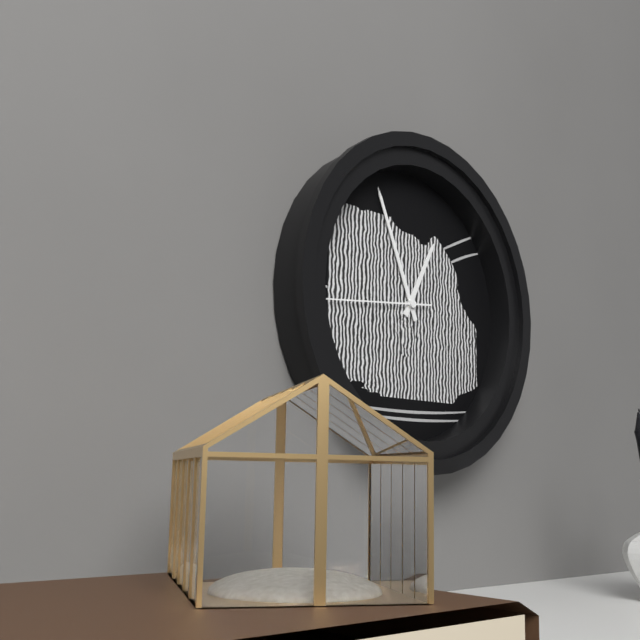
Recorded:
h=12 m=56 s=44
